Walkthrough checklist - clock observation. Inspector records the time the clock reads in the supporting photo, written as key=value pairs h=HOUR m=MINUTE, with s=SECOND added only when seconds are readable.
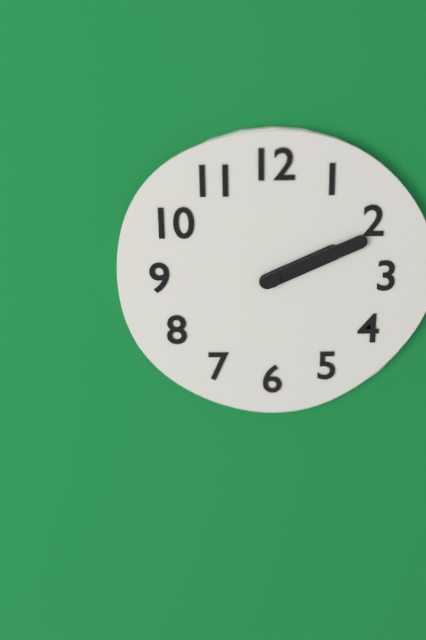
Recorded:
h=2 m=11
